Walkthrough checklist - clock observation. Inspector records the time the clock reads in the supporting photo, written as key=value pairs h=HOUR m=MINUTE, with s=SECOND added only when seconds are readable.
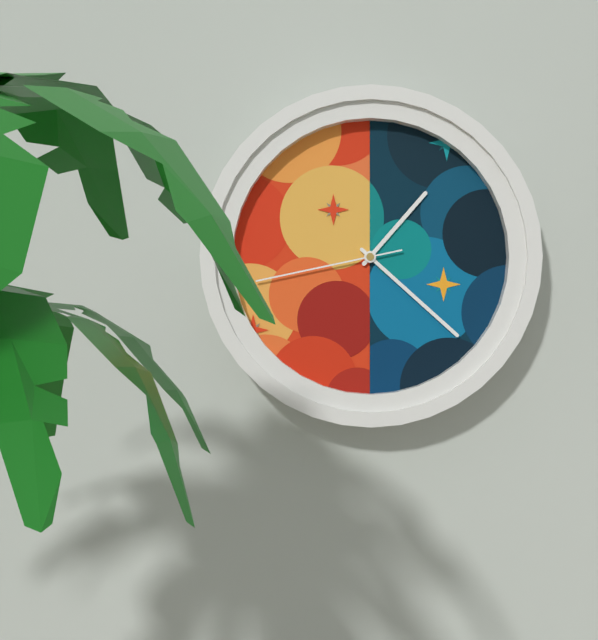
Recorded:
h=1 m=22 s=43
